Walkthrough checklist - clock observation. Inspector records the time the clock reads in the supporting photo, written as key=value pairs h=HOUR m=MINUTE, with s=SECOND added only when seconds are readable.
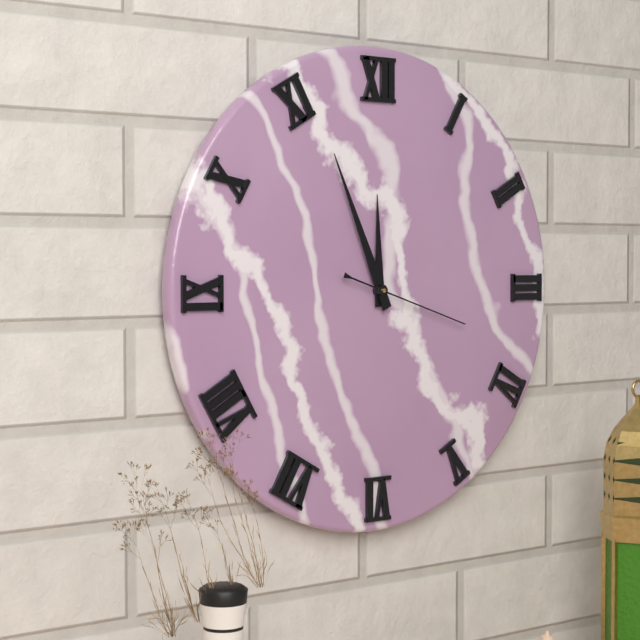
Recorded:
h=11 m=56 s=18
